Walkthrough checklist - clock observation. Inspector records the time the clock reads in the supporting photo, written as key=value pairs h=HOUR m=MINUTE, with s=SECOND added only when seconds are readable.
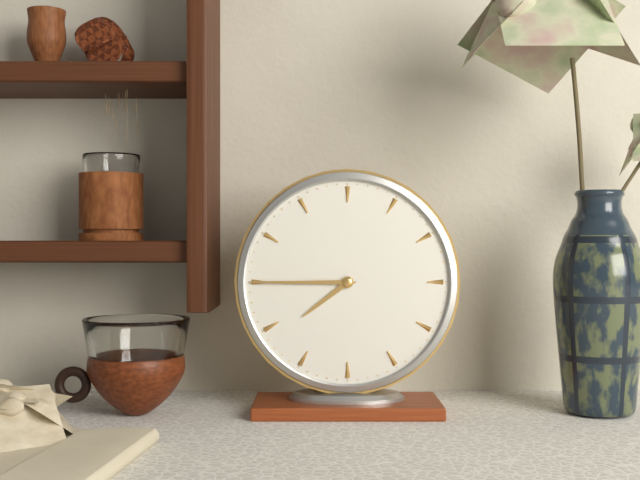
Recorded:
h=7 m=45
